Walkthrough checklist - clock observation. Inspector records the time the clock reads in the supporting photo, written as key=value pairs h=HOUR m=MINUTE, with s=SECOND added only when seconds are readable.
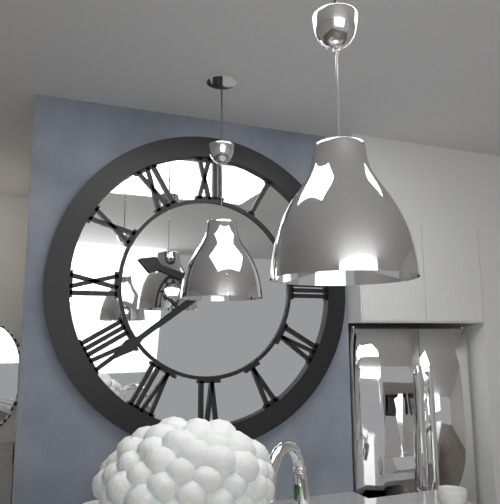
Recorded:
h=9 m=39
